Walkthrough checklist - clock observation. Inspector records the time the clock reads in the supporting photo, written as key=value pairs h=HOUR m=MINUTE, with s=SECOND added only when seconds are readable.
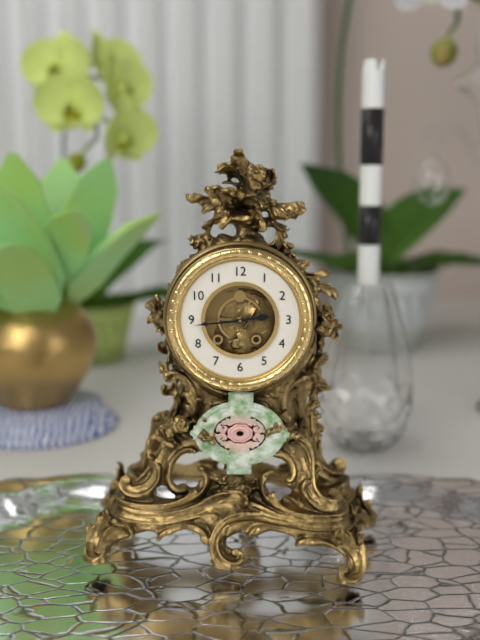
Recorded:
h=2 m=44
